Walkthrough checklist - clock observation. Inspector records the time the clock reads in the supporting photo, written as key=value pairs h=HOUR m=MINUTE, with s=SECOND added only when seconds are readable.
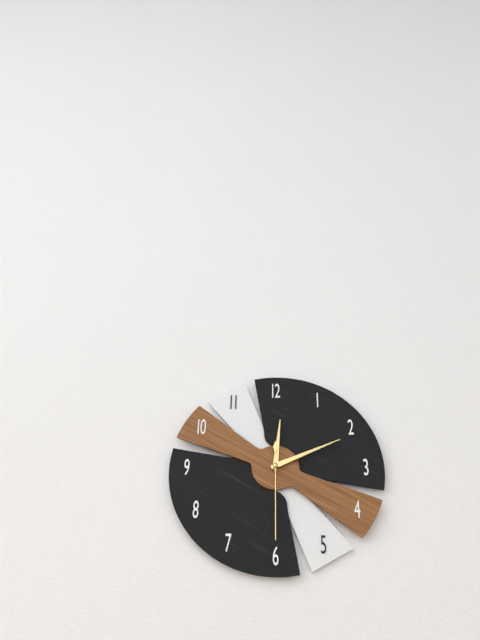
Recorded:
h=12 m=11 s=30
